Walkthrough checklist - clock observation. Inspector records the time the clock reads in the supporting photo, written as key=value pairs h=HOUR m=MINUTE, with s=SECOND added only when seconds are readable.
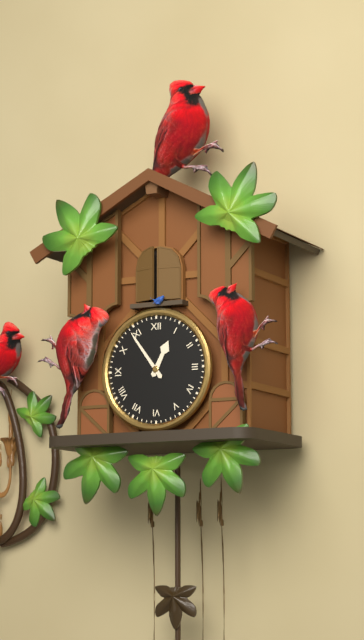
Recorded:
h=12 m=54
